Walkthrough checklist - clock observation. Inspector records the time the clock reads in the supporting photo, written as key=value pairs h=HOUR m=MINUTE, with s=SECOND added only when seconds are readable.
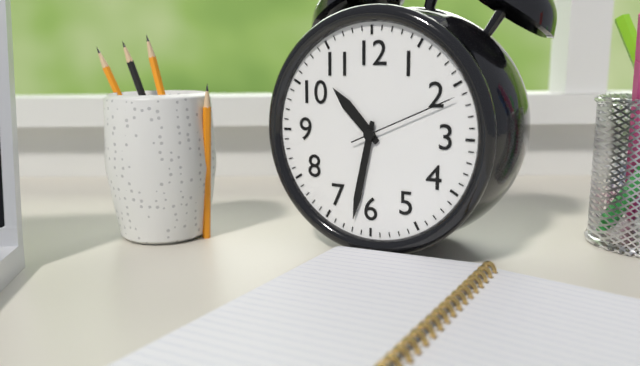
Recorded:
h=10 m=32 s=11
